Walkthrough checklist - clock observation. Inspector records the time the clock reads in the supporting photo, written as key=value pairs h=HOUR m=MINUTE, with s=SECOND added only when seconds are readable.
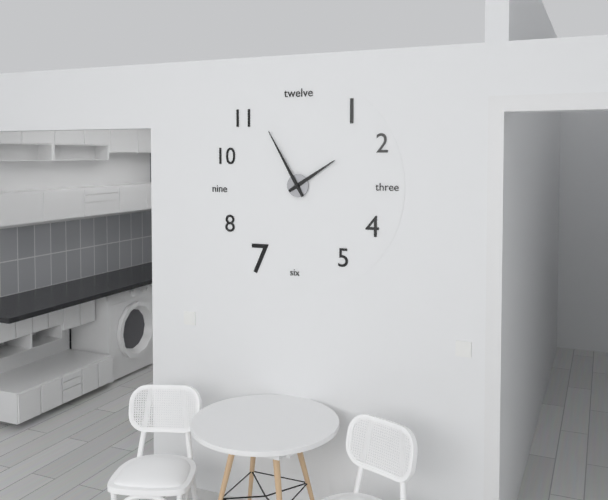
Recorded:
h=1 m=55
